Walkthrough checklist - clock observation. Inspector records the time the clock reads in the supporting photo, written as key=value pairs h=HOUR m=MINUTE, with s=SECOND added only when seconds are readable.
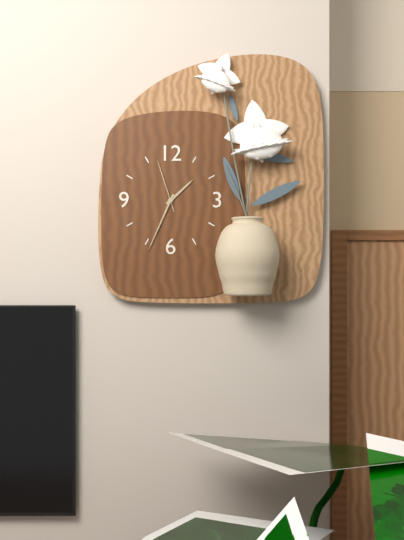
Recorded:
h=1 m=34 s=57
